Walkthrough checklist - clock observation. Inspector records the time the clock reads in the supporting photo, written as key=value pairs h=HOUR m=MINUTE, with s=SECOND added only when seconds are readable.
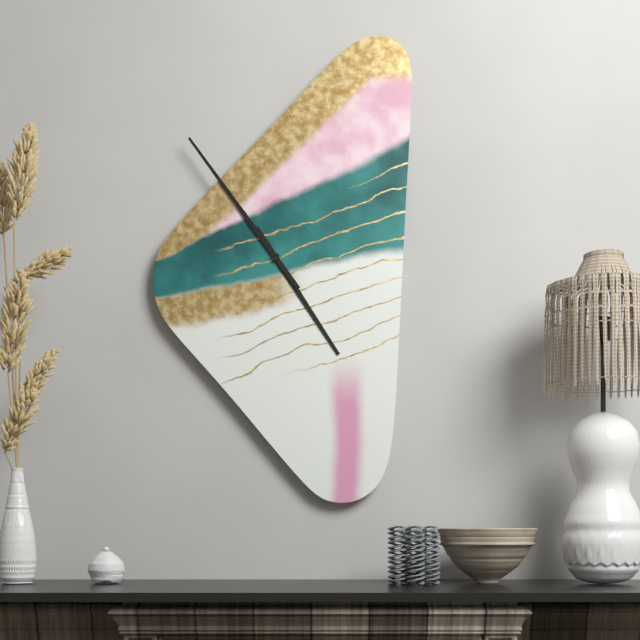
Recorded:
h=4 m=54
